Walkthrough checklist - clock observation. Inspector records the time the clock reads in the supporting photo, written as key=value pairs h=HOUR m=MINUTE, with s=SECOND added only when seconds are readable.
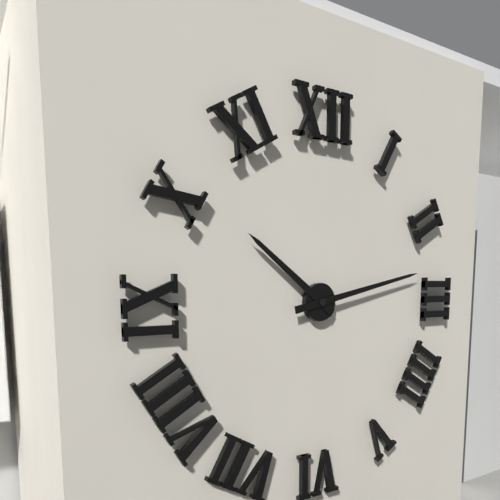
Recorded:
h=10 m=13
